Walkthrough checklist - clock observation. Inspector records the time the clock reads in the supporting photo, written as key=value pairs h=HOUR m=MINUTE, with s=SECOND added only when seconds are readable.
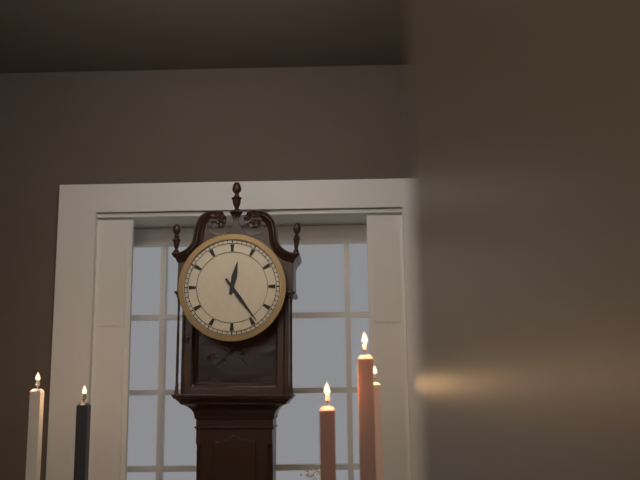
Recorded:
h=12 m=24
